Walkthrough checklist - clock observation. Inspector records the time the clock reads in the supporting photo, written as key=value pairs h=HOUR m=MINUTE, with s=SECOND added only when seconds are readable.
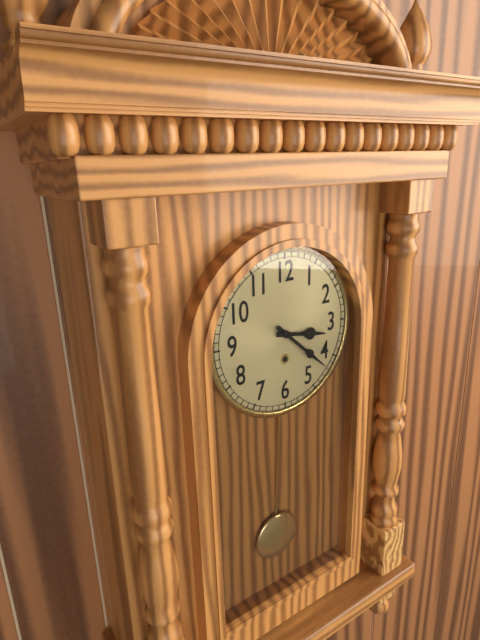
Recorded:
h=3 m=22
